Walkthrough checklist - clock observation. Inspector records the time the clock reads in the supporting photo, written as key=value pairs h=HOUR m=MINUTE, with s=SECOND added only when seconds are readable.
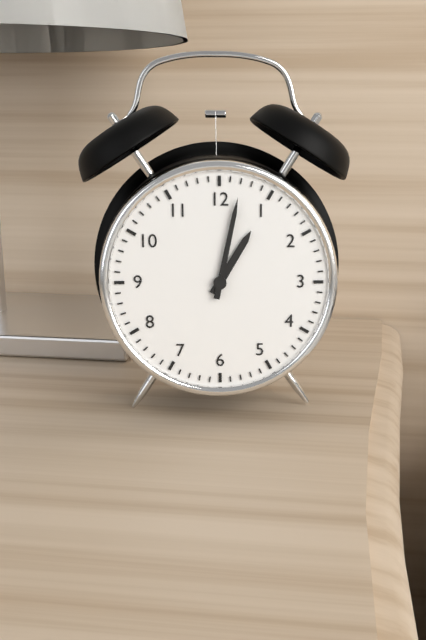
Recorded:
h=1 m=2
